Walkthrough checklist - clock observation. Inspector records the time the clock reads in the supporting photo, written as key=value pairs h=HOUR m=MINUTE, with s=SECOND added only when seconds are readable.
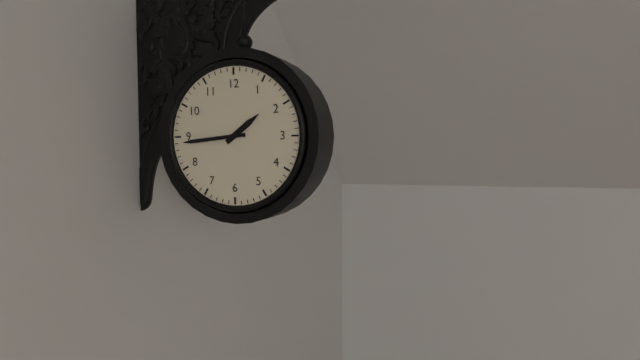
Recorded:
h=1 m=44
